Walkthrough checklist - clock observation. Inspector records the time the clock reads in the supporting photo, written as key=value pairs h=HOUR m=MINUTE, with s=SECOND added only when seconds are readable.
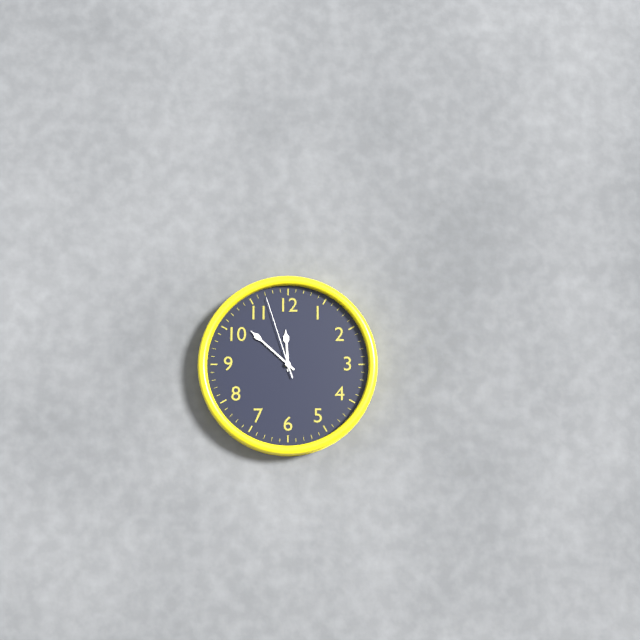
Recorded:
h=11 m=52 s=57
